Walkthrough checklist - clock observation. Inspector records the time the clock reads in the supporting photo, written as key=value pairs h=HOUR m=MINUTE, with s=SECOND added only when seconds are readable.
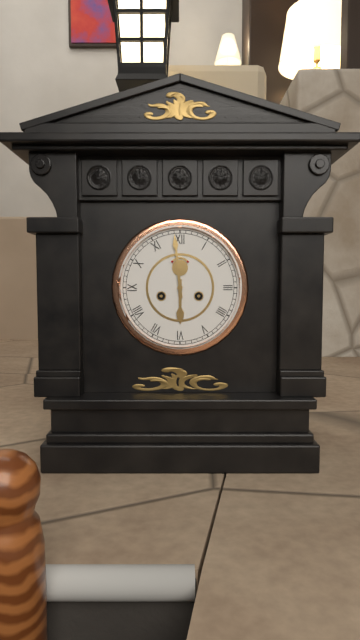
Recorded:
h=5 m=59
